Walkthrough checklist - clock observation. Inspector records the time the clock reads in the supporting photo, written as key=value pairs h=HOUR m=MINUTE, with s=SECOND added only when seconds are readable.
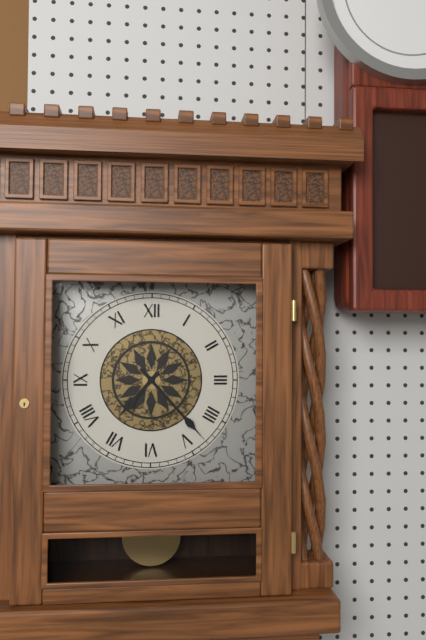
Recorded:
h=7 m=23
